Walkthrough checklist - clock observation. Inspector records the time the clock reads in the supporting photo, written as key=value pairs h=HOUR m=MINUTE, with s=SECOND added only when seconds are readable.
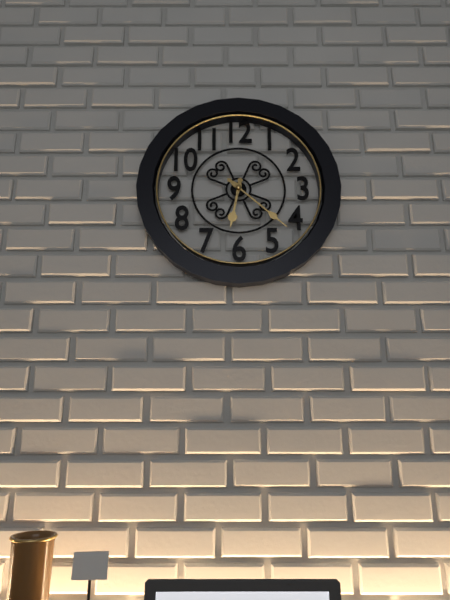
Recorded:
h=6 m=22
